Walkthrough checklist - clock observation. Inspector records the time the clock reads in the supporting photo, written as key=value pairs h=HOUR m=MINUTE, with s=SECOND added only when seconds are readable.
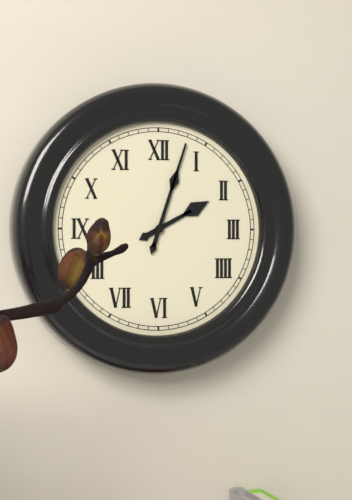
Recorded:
h=2 m=3
